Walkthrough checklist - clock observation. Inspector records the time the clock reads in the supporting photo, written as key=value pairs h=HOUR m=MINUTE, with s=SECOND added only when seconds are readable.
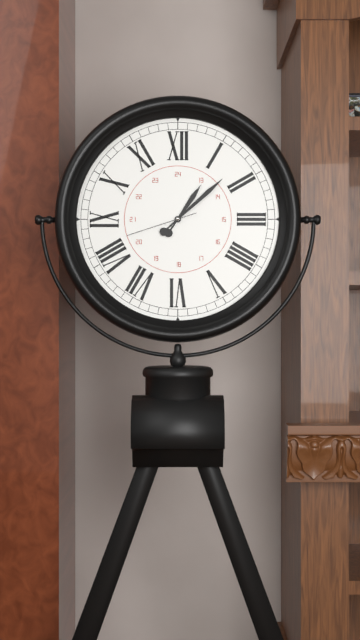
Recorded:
h=1 m=8 s=42
